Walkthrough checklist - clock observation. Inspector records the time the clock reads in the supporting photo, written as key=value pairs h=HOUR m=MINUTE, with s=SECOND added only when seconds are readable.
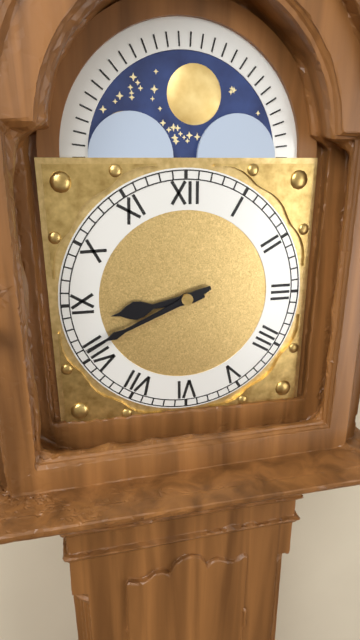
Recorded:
h=8 m=41
